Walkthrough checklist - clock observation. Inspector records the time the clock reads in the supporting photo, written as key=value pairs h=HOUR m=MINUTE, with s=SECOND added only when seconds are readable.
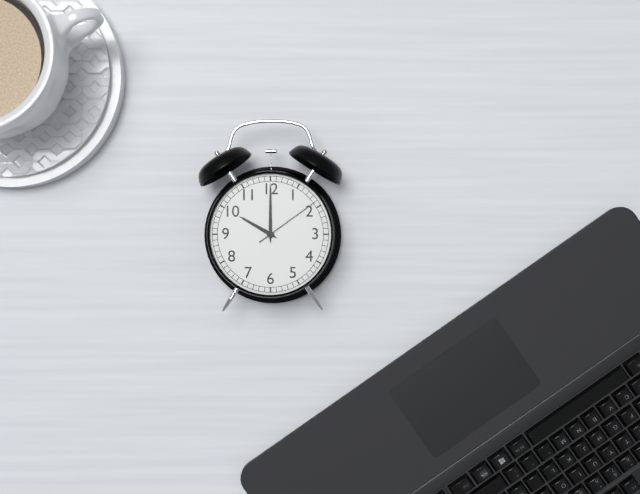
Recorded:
h=10 m=0 s=9
